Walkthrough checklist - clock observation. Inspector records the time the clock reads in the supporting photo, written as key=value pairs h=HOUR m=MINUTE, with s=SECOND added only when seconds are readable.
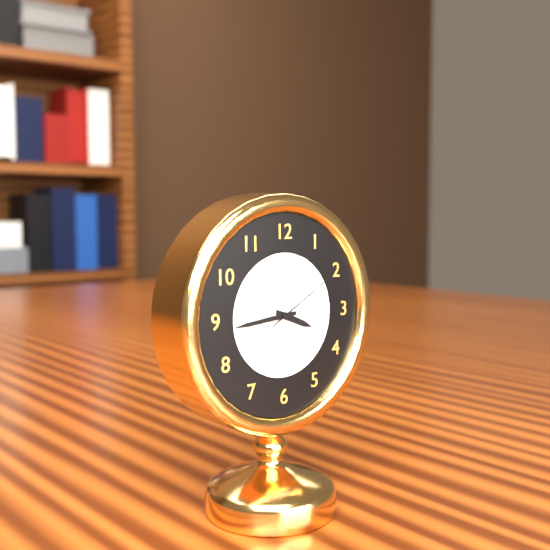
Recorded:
h=3 m=44 s=10
